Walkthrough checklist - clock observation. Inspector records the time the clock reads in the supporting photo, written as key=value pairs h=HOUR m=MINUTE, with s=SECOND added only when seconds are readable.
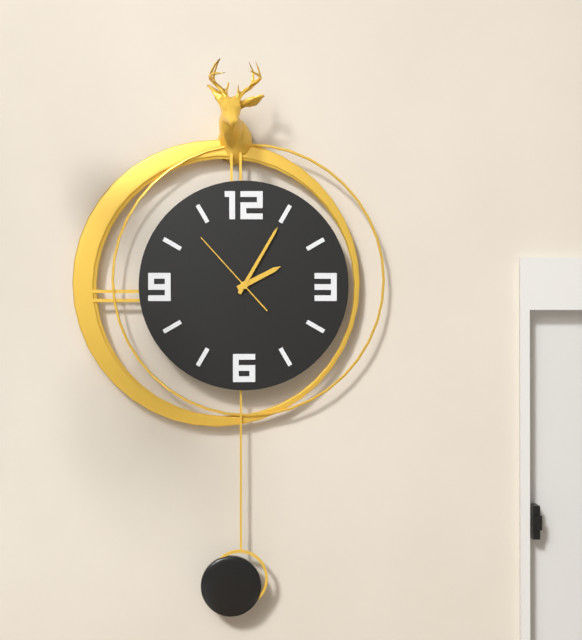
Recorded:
h=2 m=5 s=53
